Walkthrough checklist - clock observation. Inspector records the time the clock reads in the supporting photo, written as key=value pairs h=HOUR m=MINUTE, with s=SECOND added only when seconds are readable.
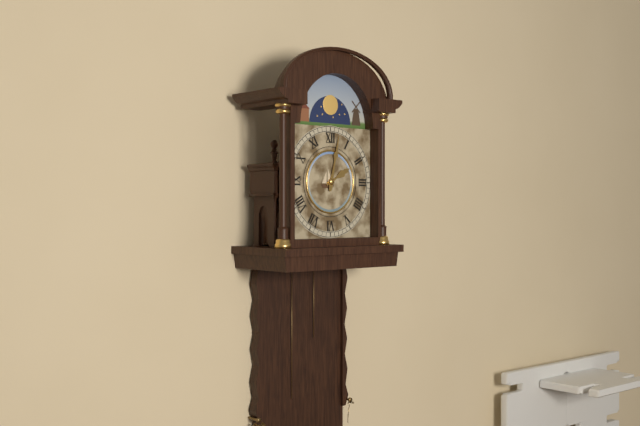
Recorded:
h=2 m=2
